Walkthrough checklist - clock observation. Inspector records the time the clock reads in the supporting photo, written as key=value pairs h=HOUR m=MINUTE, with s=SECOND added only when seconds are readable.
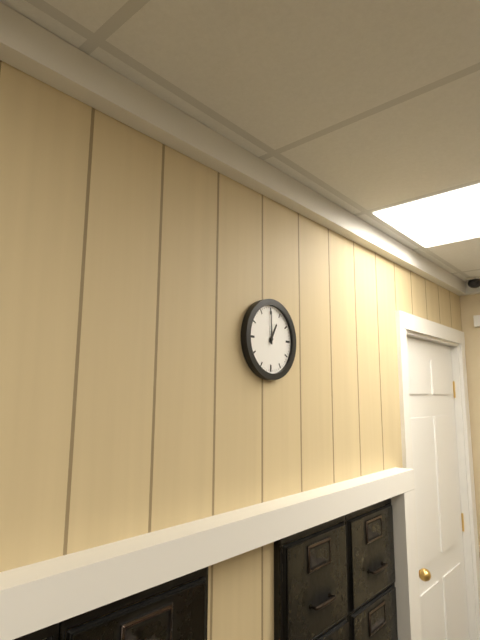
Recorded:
h=1 m=0
